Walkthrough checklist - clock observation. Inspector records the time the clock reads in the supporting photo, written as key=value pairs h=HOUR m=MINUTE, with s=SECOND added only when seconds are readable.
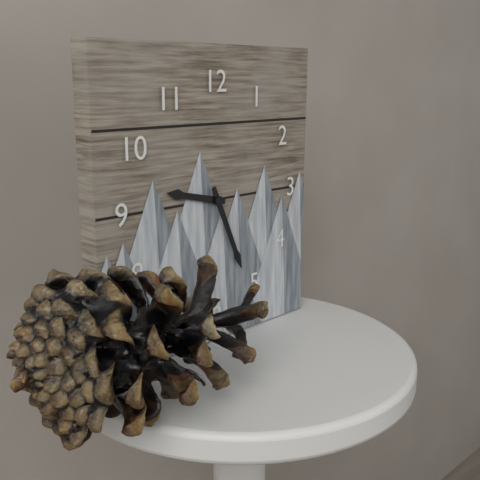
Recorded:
h=9 m=26
